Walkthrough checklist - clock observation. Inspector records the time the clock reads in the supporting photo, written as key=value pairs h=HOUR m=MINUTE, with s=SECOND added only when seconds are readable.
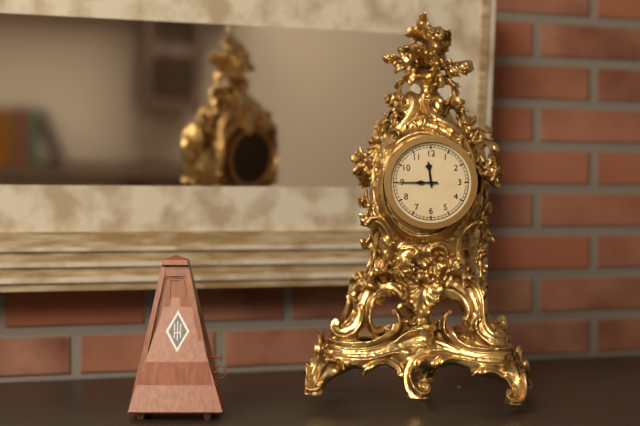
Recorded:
h=11 m=45
